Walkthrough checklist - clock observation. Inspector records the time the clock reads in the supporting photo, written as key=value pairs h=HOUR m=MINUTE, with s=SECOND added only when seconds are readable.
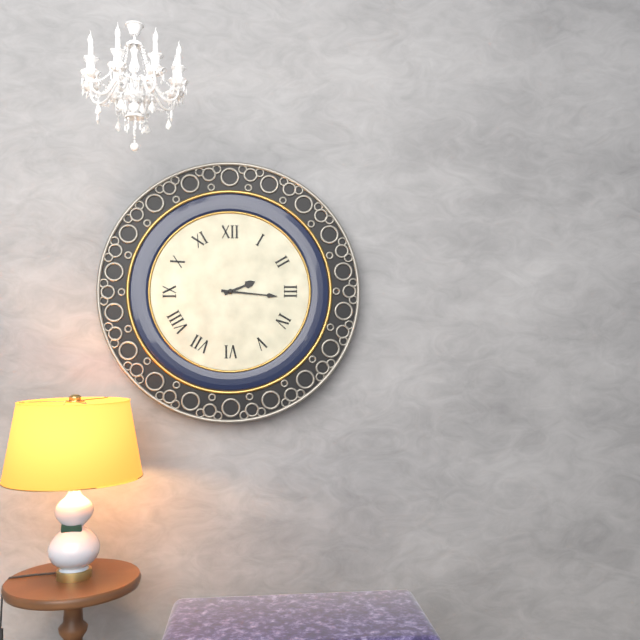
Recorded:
h=2 m=16
